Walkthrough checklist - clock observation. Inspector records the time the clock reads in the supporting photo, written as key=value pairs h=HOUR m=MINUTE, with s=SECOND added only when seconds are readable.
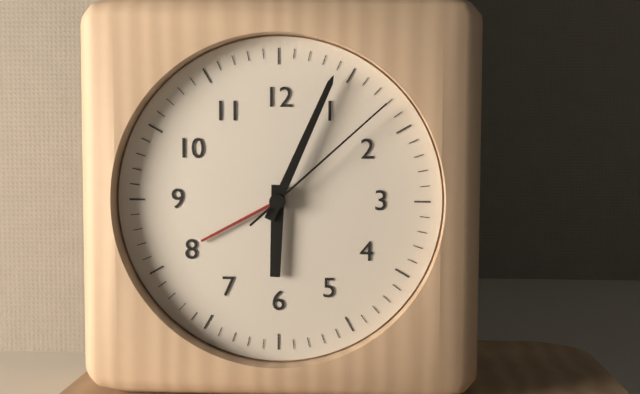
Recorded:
h=6 m=4 s=8
